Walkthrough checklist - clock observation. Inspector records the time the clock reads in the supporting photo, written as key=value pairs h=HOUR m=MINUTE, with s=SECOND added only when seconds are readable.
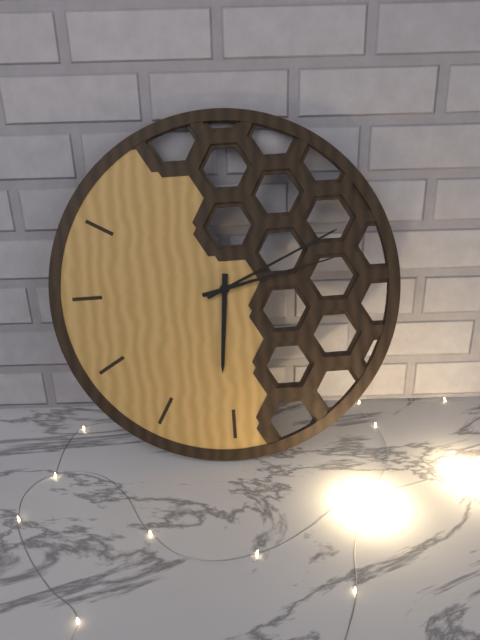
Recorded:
h=6 m=11 s=13
